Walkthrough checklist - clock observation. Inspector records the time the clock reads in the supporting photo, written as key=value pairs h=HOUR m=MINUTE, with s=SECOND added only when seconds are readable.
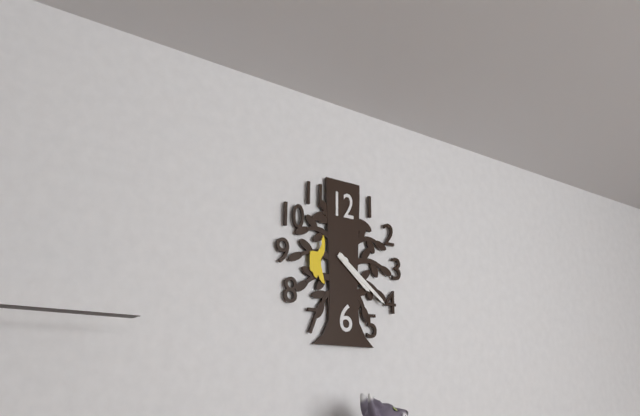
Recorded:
h=4 m=21
